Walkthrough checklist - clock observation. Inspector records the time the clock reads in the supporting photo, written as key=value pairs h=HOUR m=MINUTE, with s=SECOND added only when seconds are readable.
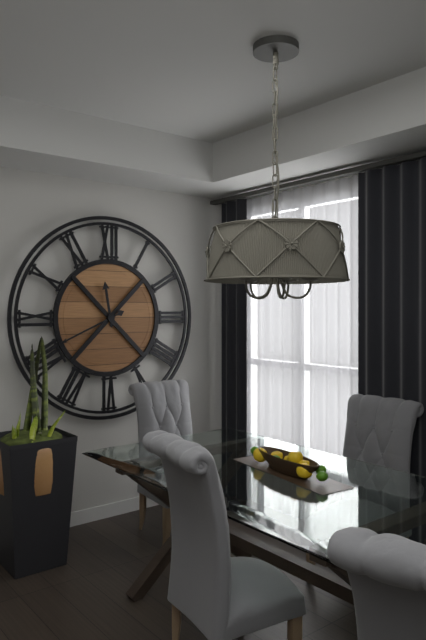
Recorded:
h=11 m=41
